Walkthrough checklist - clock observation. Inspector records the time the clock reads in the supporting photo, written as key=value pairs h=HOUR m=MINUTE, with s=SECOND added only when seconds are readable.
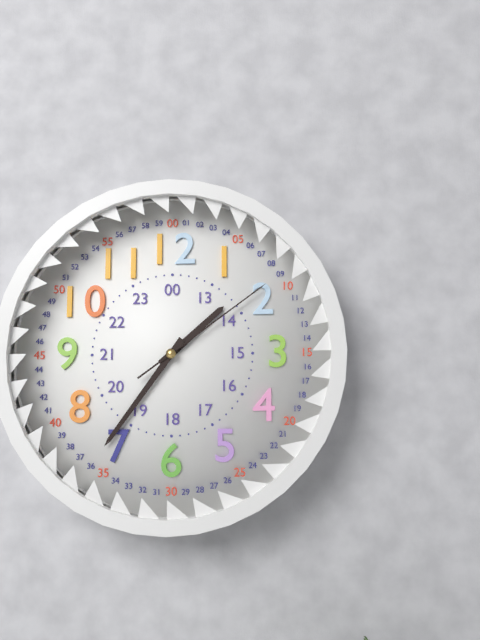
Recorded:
h=1 m=36 s=9
